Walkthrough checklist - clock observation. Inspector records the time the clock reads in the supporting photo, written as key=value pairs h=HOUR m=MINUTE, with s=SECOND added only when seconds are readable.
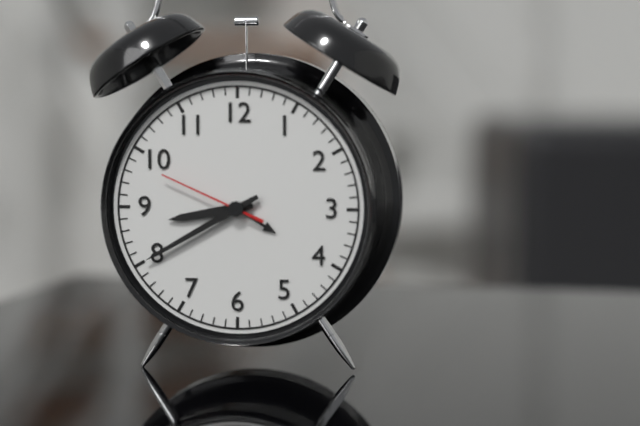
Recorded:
h=8 m=40 s=49
